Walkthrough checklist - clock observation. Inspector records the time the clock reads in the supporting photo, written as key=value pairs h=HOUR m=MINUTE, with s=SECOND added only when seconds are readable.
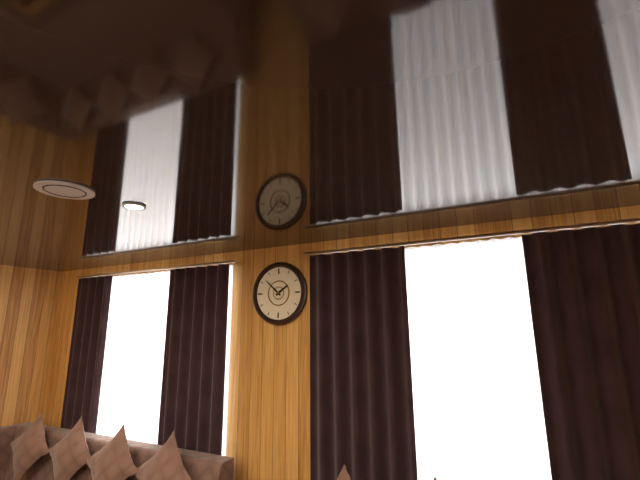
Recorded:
h=1 m=52
